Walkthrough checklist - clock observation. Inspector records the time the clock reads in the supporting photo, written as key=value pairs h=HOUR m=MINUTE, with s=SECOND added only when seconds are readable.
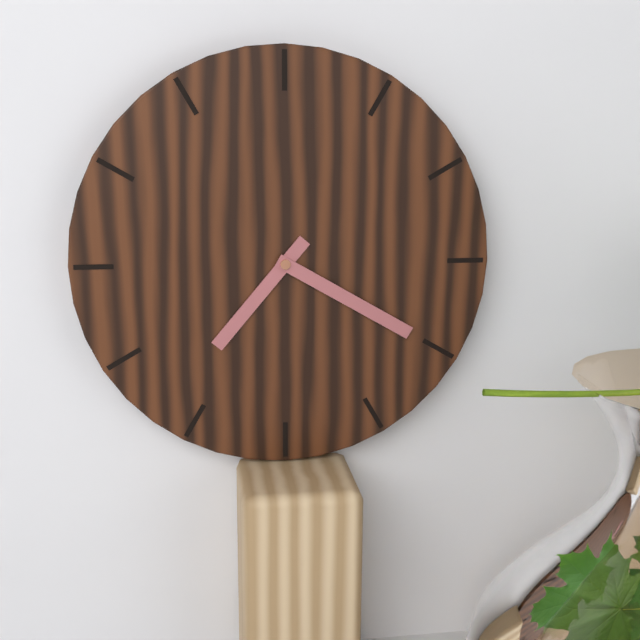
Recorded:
h=7 m=20
